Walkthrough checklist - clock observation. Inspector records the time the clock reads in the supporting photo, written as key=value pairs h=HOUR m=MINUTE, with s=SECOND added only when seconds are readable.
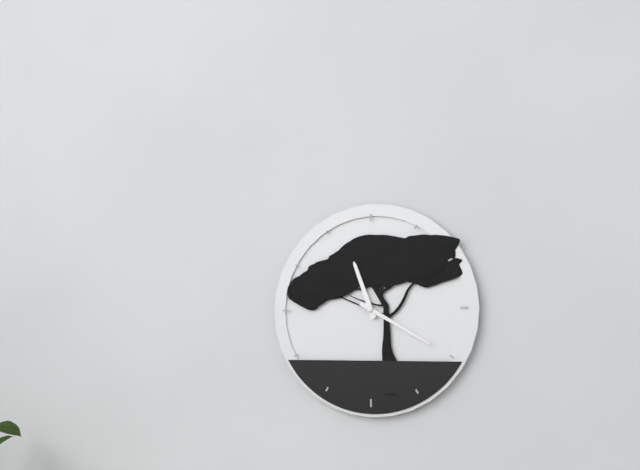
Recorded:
h=11 m=20
